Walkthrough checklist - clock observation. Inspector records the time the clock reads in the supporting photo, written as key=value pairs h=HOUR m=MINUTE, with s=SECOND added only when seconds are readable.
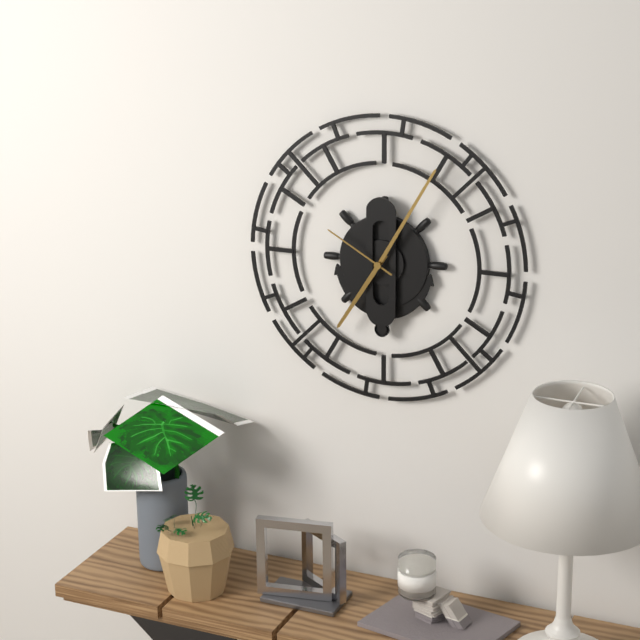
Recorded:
h=7 m=5 s=50
